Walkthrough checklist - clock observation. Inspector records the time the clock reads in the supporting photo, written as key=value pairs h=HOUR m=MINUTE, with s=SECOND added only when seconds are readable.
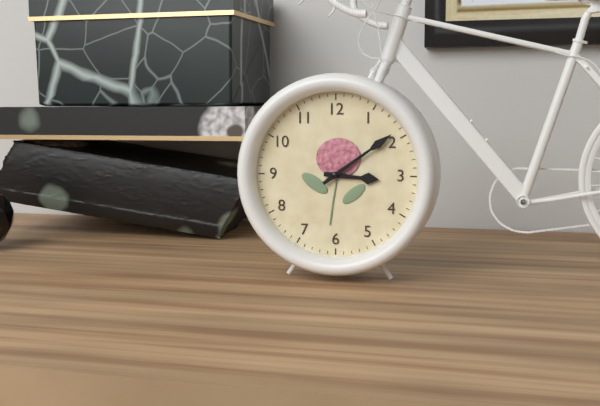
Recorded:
h=3 m=9
